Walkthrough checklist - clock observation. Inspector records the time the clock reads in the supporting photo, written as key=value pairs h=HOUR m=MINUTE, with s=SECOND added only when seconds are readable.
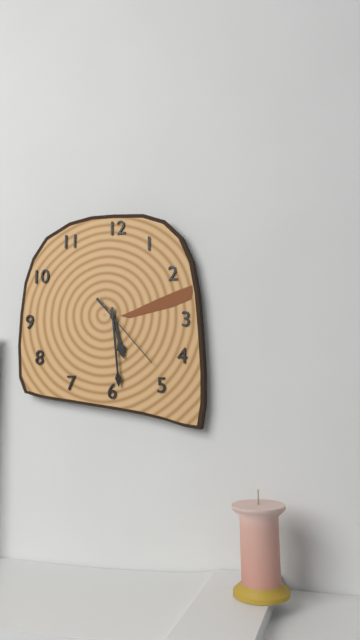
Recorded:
h=5 m=29 s=23
